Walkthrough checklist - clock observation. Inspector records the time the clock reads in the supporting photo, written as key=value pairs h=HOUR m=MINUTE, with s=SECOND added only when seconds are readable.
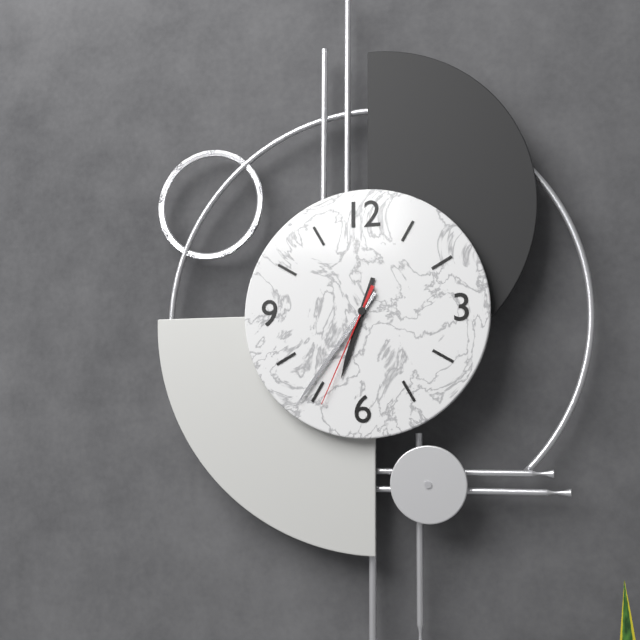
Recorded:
h=6 m=36 s=34
